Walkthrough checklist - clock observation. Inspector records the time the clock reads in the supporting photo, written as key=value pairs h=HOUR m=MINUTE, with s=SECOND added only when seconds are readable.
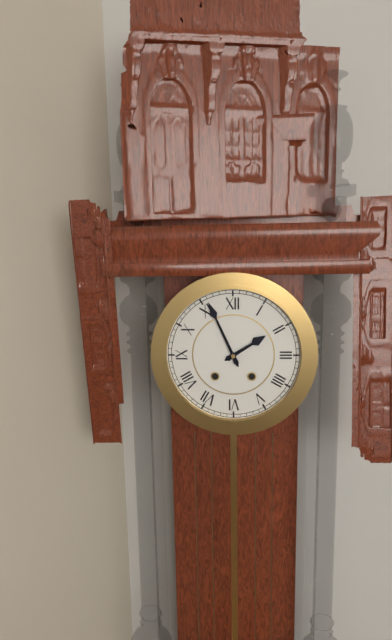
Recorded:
h=1 m=56
